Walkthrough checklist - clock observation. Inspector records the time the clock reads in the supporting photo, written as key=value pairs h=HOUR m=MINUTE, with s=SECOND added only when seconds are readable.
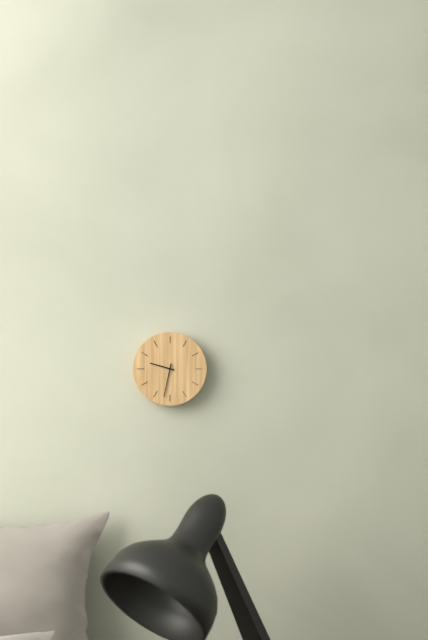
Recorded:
h=9 m=32
